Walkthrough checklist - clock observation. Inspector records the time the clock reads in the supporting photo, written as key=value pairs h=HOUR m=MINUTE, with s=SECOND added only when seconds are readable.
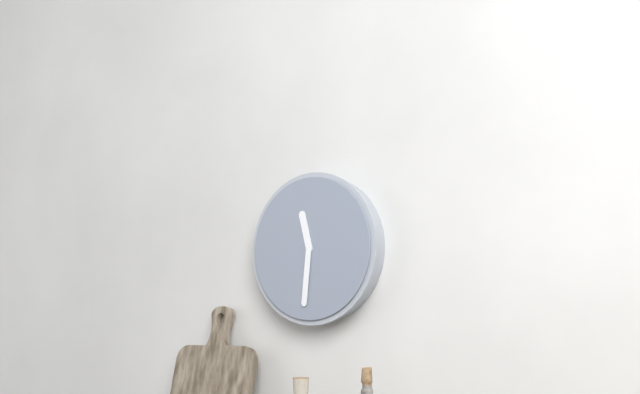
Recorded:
h=11 m=31
